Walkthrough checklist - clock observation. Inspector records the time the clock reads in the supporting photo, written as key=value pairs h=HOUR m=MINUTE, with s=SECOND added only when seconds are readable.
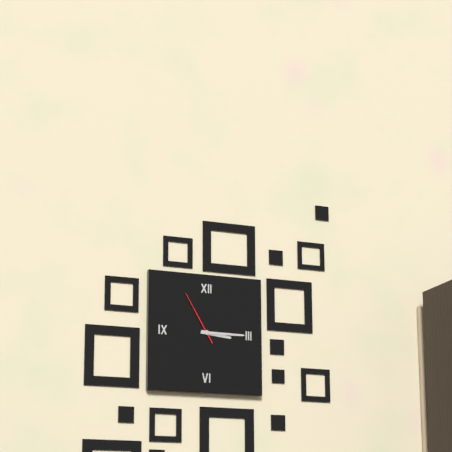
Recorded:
h=3 m=15 s=55
